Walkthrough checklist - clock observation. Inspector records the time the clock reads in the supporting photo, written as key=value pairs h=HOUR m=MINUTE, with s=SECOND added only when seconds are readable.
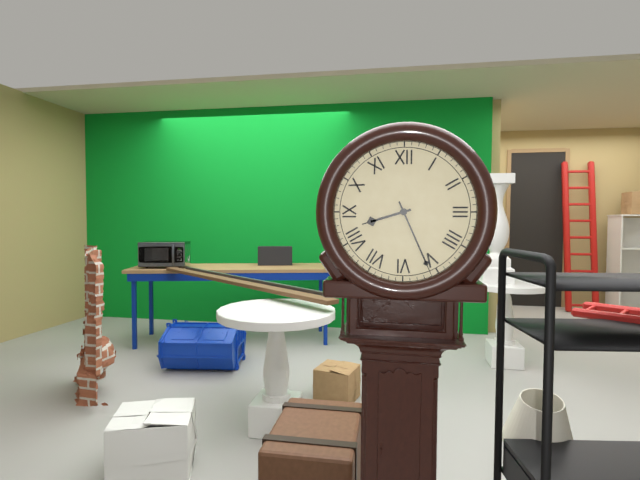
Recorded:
h=8 m=26
